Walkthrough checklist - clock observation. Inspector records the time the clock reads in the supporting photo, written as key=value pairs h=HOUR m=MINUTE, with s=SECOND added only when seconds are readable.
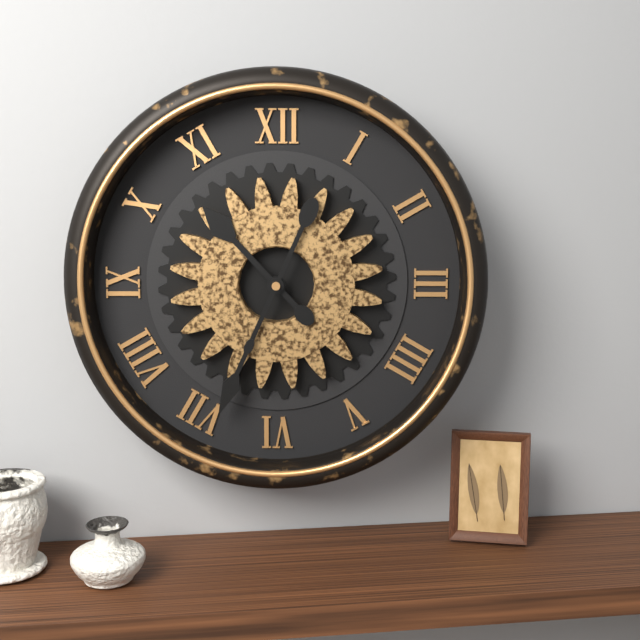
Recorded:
h=10 m=34
